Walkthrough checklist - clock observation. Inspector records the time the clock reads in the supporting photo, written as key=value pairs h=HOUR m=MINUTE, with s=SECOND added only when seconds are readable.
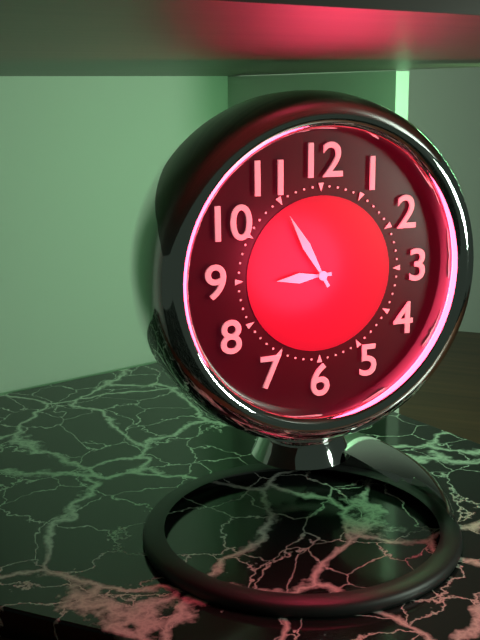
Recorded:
h=8 m=55
